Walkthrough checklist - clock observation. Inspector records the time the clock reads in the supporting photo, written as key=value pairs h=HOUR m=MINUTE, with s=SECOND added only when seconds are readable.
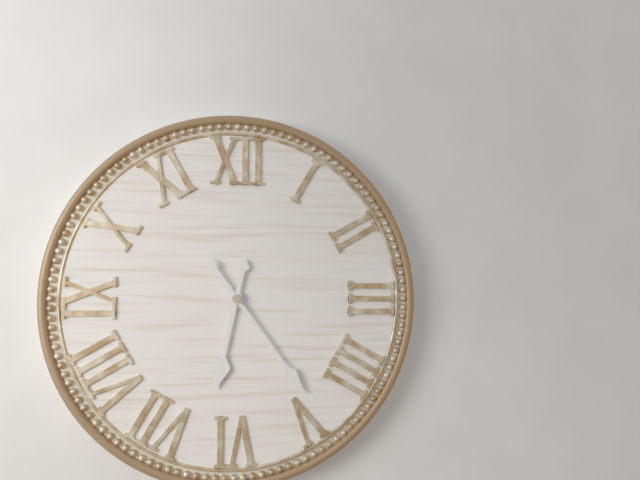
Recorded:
h=6 m=24
